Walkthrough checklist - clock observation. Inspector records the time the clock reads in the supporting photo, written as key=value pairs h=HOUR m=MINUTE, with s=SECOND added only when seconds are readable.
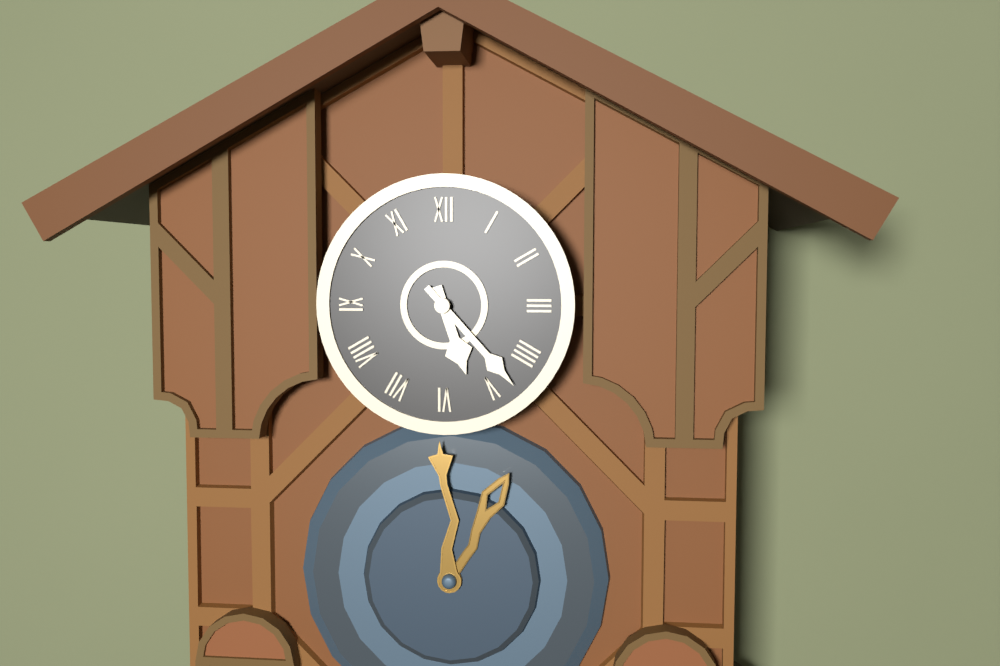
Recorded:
h=5 m=23
